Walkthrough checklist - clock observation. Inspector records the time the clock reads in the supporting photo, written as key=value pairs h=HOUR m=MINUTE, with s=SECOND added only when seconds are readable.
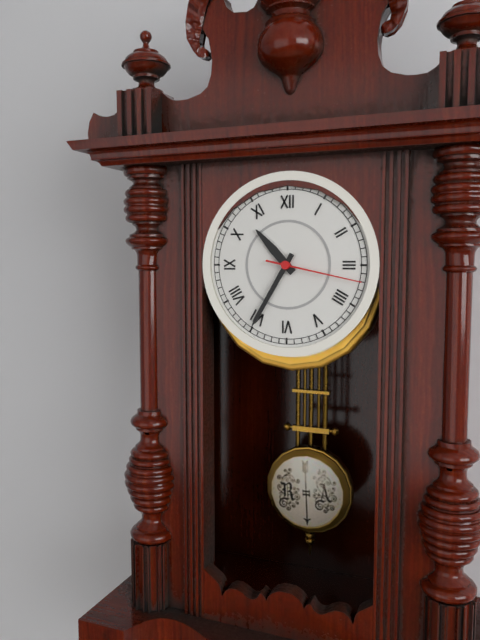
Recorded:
h=10 m=35 s=17
